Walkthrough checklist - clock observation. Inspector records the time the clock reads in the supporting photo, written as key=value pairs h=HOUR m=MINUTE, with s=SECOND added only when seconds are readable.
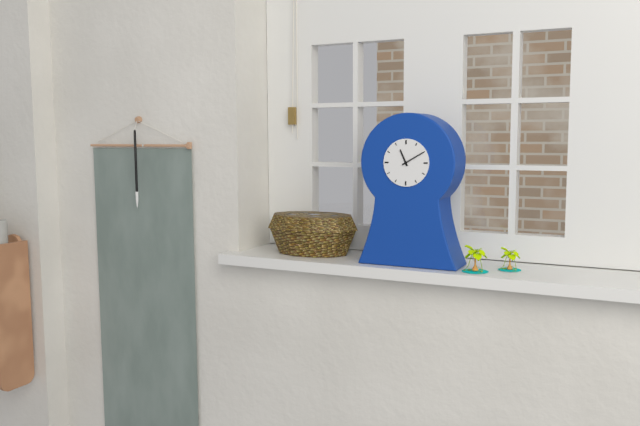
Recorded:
h=11 m=10
